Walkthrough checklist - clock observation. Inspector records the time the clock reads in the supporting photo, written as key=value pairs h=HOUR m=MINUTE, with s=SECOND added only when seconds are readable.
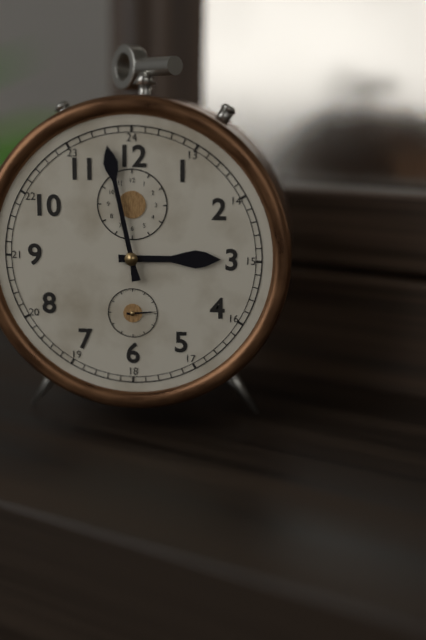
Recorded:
h=2 m=58
